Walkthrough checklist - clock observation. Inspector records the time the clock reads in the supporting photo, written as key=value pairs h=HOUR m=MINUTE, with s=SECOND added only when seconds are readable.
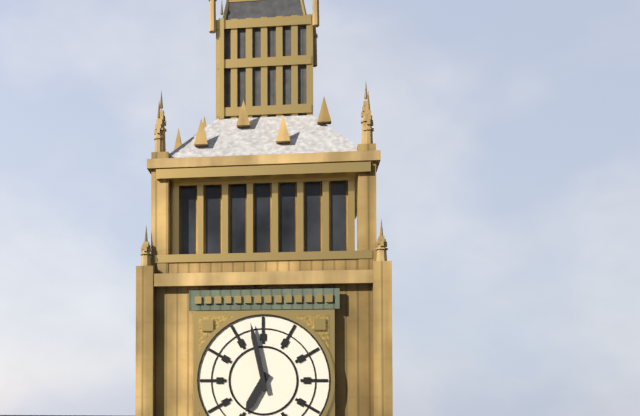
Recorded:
h=6 m=58
